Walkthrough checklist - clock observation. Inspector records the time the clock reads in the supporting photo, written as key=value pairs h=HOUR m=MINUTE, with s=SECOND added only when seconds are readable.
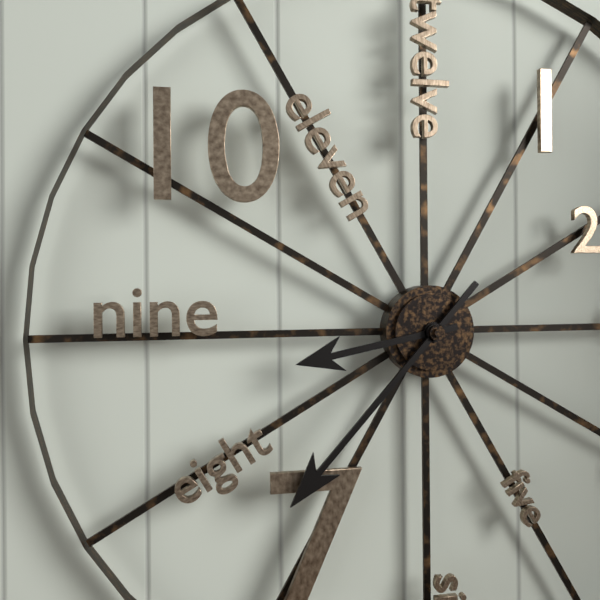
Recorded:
h=8 m=37
